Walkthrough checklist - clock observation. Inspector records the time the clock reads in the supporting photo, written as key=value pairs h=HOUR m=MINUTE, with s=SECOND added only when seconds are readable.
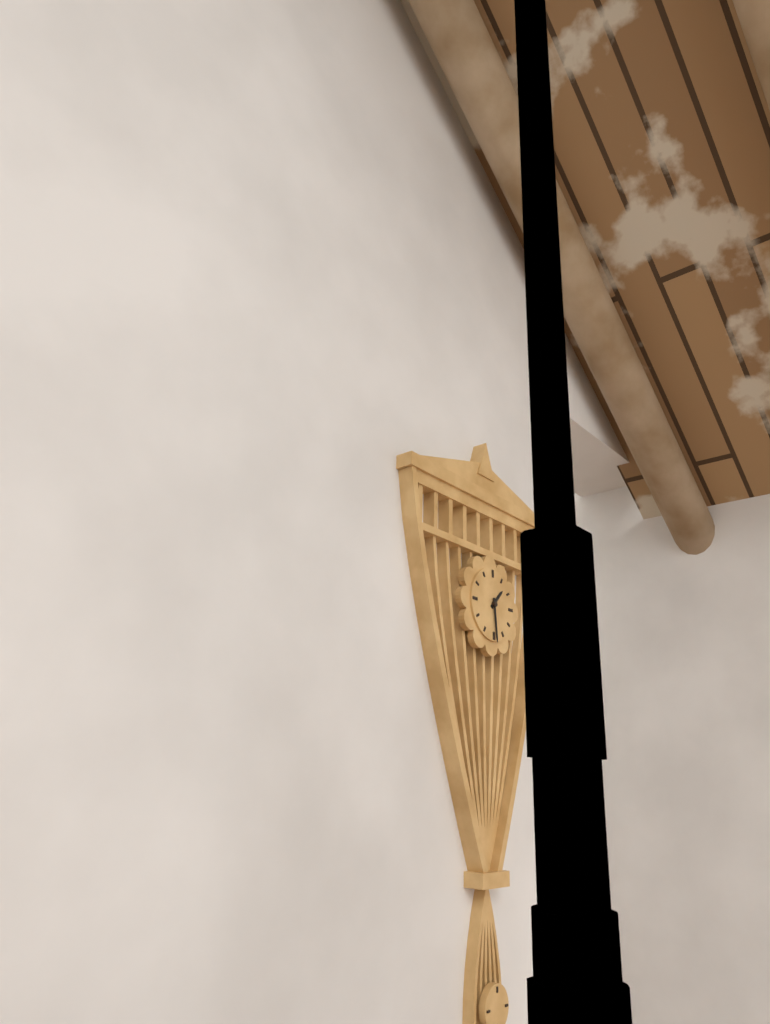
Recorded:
h=1 m=29
